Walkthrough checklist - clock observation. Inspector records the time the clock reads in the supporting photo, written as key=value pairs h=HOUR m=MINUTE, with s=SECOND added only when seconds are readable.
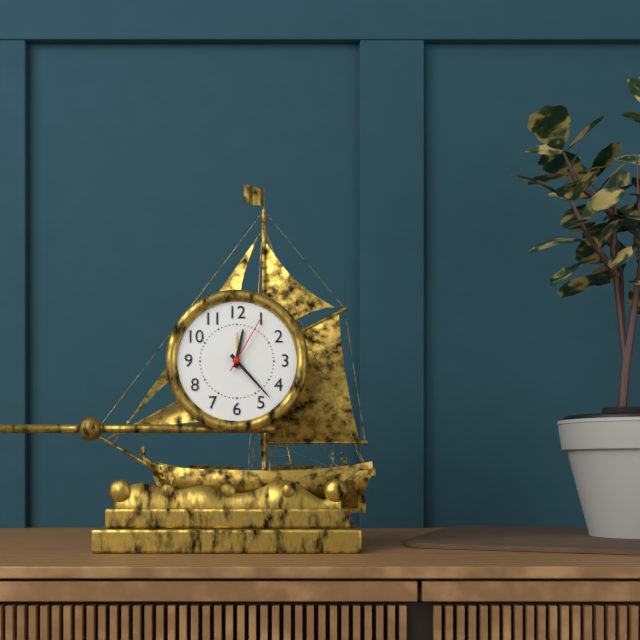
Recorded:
h=12 m=23 s=5
